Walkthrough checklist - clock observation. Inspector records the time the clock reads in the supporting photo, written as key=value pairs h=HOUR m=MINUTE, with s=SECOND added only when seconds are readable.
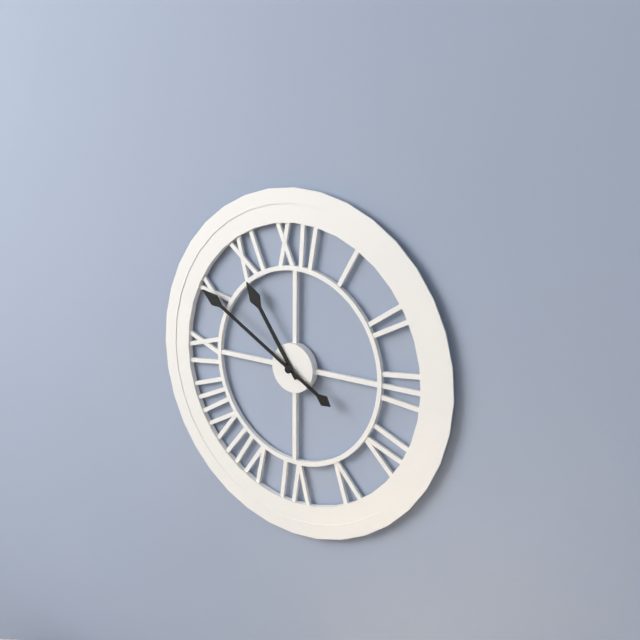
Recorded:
h=10 m=50
